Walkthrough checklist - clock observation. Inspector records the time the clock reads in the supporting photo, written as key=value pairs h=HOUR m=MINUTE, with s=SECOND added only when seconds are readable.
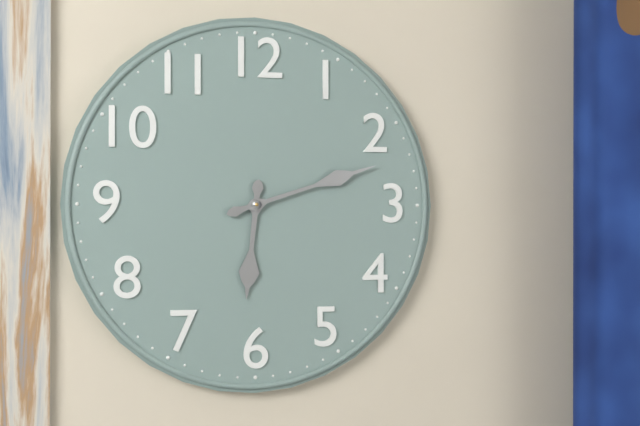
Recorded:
h=6 m=12
